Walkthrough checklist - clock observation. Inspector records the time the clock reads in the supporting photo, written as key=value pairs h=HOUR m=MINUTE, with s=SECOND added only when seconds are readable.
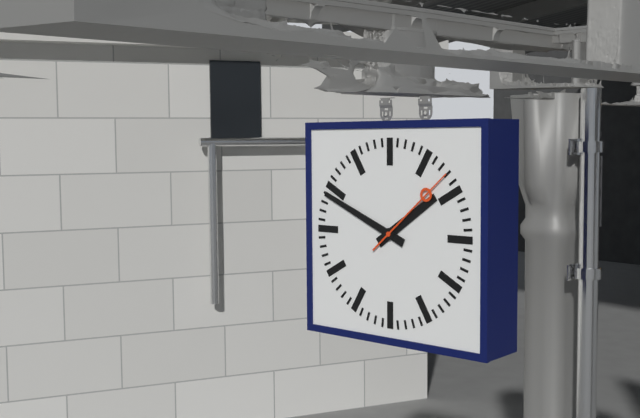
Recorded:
h=1 m=49 s=8
